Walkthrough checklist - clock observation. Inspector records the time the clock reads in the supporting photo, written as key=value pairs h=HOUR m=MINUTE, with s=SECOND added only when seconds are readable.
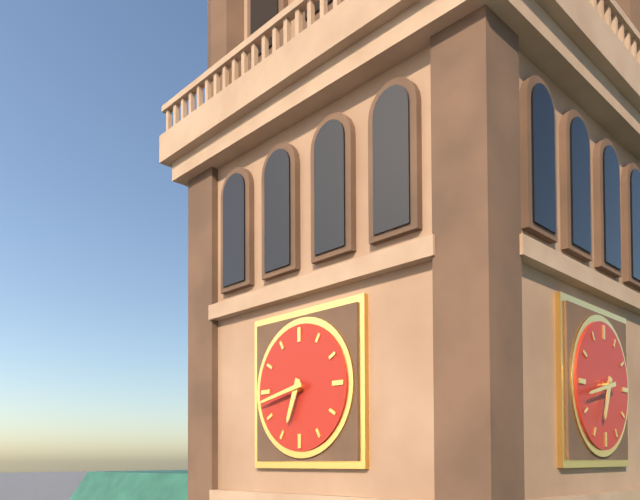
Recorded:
h=6 m=43
